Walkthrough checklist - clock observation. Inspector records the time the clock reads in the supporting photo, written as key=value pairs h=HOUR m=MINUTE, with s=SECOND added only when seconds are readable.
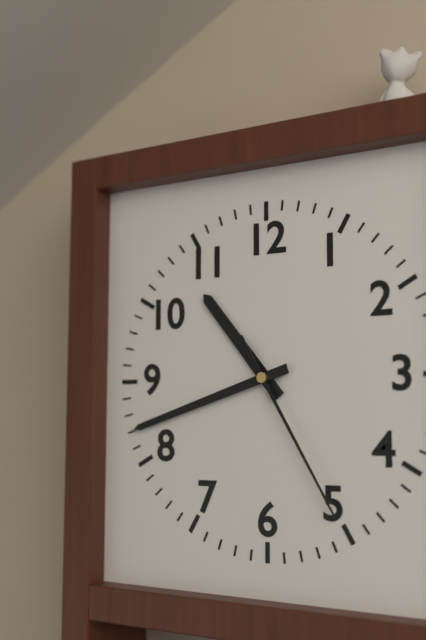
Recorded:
h=10 m=42 s=25
